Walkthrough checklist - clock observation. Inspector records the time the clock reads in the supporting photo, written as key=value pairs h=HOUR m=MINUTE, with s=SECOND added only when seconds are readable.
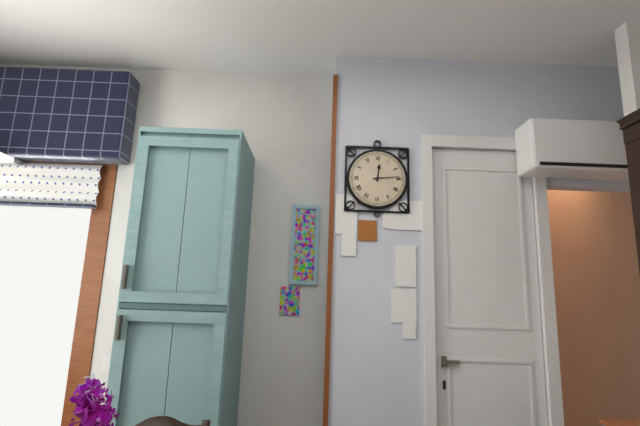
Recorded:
h=12 m=14
